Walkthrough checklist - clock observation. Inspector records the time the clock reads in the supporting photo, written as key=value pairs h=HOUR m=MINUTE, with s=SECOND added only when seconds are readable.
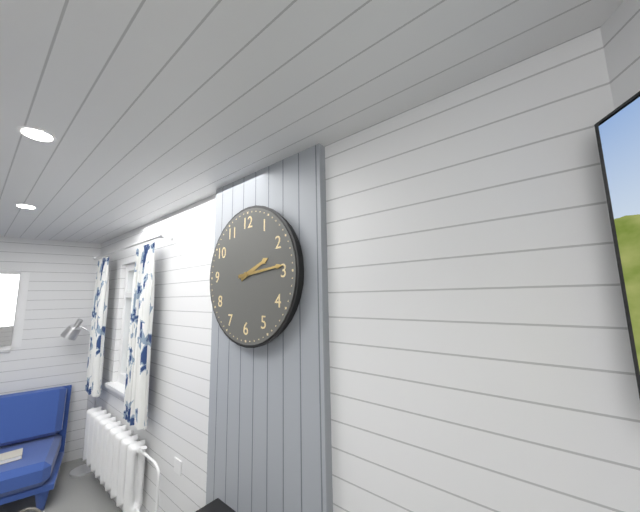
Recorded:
h=2 m=14
